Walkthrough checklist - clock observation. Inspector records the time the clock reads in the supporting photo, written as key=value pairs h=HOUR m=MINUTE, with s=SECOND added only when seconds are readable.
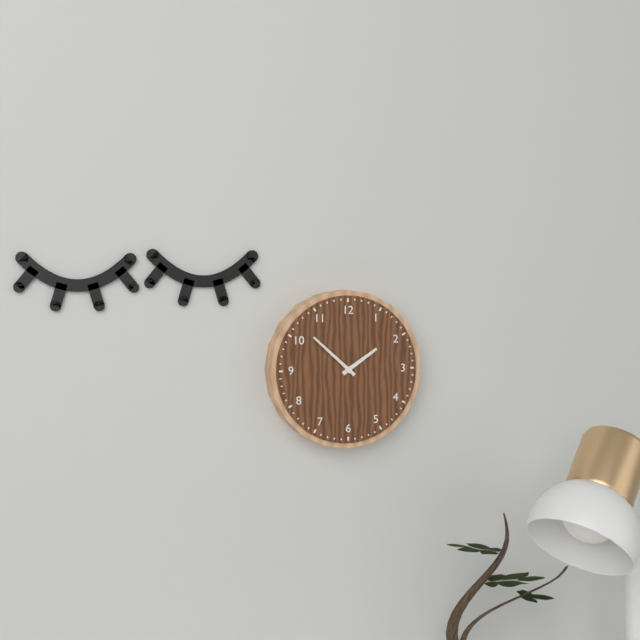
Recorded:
h=1 m=52
